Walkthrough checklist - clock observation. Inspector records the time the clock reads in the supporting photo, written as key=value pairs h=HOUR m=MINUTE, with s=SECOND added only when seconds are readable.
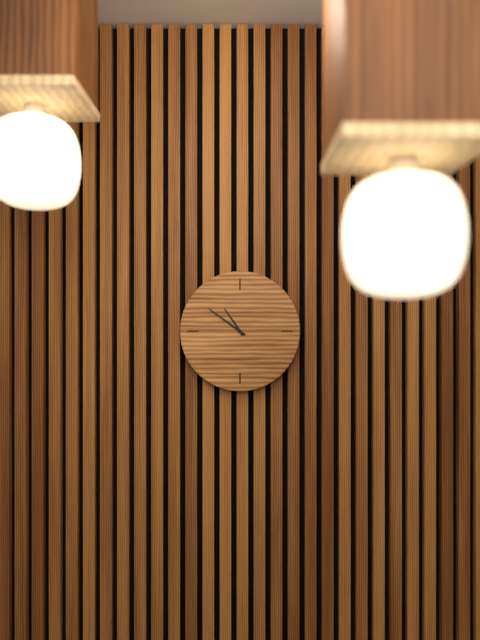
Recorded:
h=10 m=51
